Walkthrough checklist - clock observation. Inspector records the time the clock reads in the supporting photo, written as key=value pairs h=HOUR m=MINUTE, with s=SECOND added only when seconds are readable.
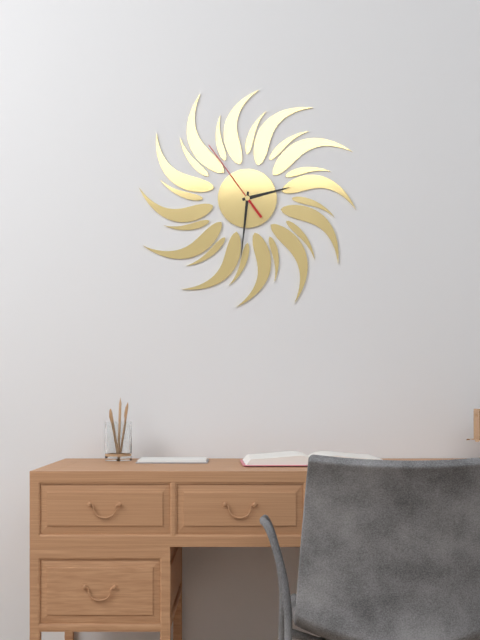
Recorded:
h=2 m=31 s=54
